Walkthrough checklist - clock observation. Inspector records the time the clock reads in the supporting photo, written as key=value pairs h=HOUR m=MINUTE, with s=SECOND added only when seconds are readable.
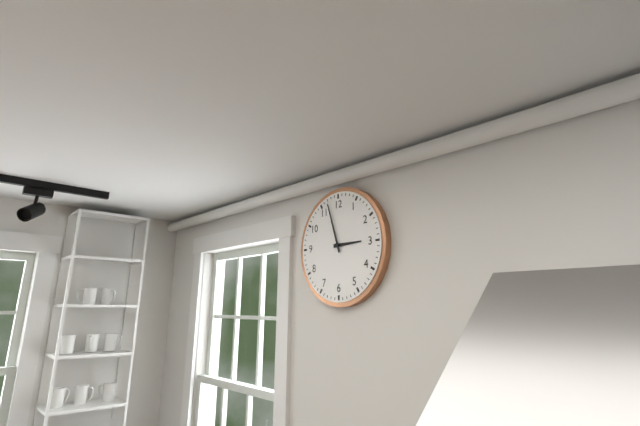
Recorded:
h=2 m=57
